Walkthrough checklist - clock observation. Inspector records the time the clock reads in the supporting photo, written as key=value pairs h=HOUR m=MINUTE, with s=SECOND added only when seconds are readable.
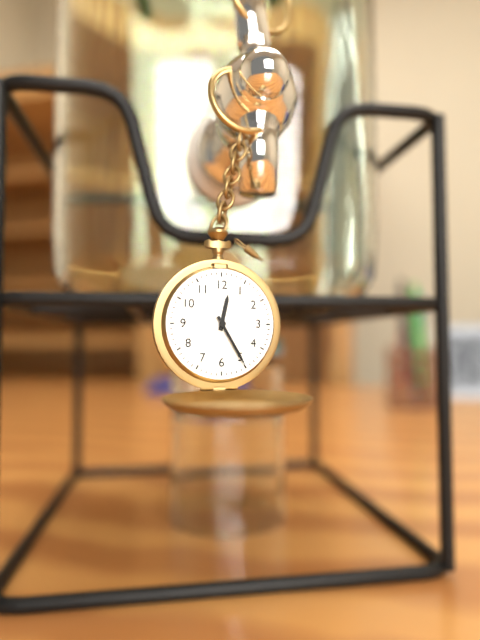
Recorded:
h=12 m=25
